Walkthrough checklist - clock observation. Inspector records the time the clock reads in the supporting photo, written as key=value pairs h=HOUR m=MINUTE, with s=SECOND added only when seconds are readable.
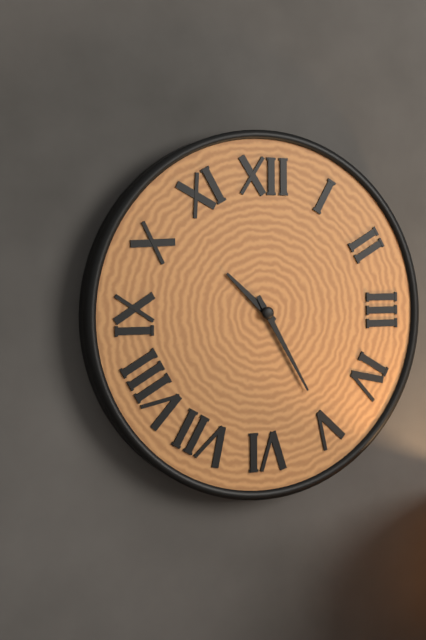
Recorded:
h=10 m=25
